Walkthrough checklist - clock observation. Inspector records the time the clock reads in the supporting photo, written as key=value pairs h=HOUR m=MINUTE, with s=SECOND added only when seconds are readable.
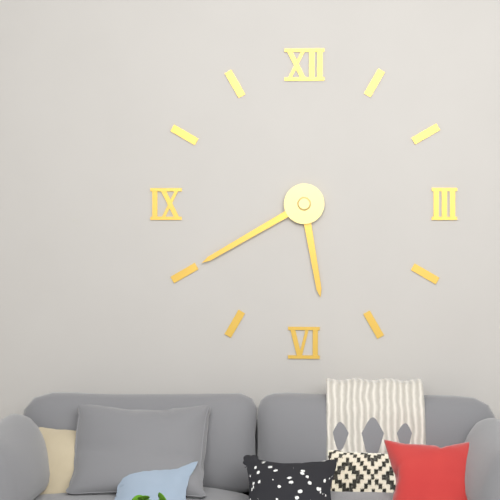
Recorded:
h=5 m=40
